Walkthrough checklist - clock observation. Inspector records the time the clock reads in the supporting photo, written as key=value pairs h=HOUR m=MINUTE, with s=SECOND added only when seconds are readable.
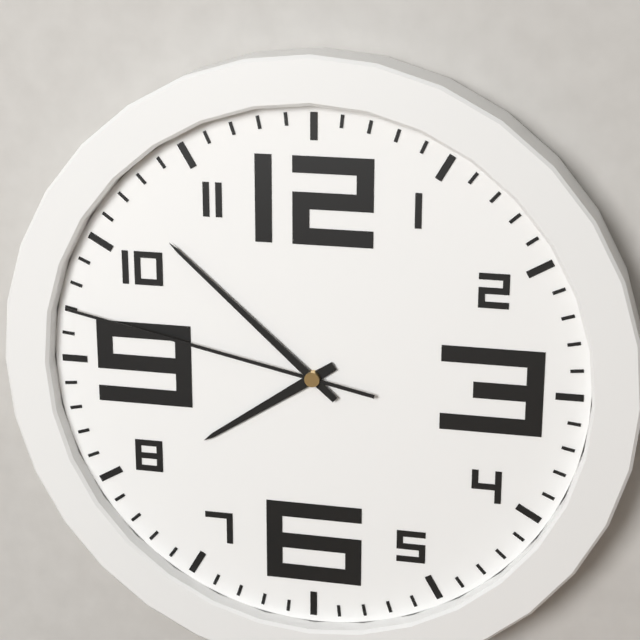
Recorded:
h=7 m=52 s=47
